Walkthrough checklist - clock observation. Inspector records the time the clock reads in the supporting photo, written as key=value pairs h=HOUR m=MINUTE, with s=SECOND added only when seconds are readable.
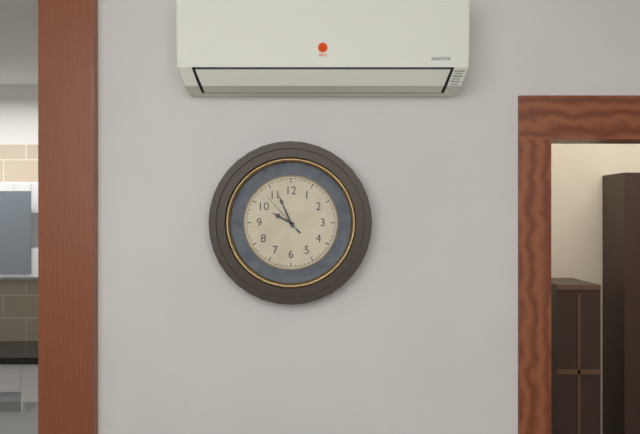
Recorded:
h=9 m=56
